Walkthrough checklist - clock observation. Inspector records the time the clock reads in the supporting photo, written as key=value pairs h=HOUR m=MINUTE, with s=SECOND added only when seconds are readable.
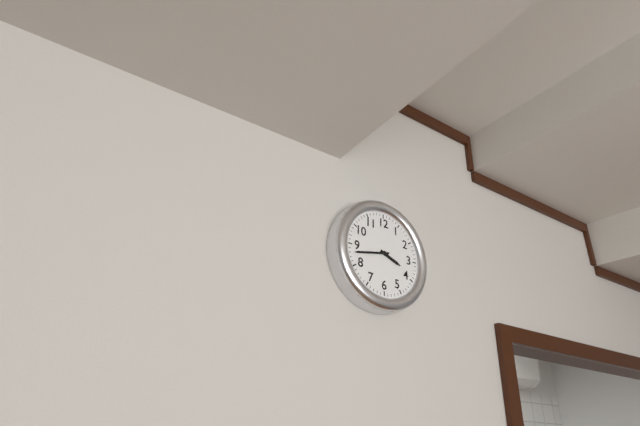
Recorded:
h=3 m=43
